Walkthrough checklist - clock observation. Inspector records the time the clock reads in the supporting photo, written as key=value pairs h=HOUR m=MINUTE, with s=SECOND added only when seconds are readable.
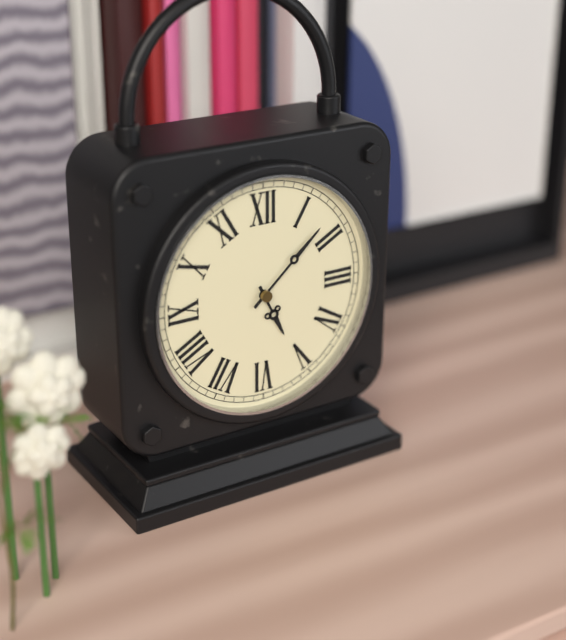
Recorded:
h=5 m=8
